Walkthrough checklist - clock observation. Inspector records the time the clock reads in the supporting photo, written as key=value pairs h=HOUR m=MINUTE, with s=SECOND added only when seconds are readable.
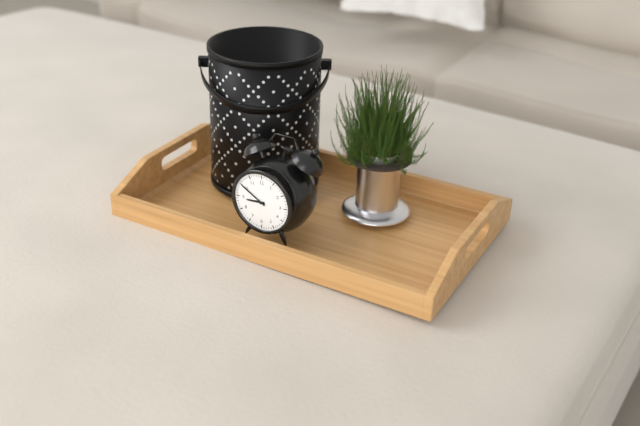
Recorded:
h=8 m=50
